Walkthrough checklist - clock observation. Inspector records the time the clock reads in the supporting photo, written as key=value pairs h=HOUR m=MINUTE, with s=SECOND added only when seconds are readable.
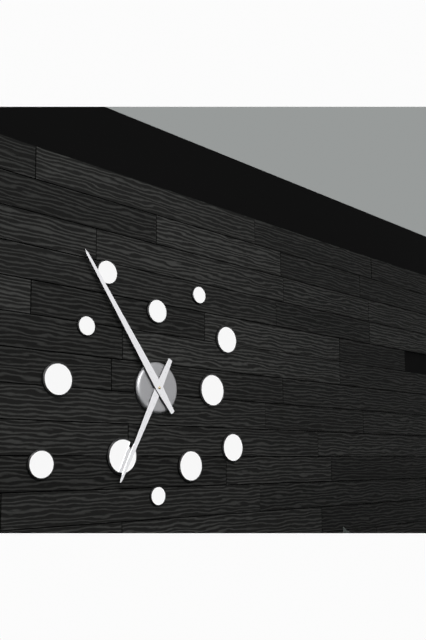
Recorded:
h=6 m=54
